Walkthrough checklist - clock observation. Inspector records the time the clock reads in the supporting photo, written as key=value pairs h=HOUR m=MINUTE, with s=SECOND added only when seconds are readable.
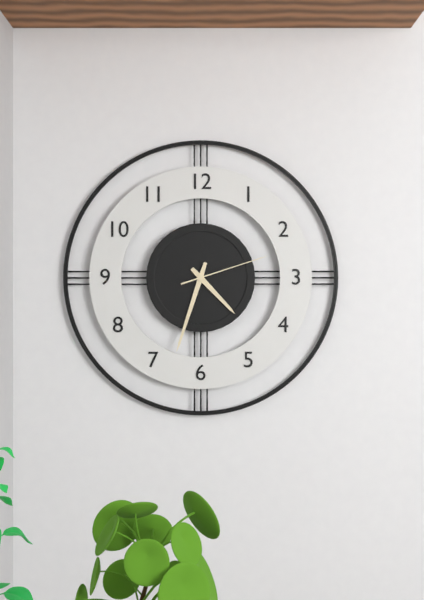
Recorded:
h=4 m=33 s=12
